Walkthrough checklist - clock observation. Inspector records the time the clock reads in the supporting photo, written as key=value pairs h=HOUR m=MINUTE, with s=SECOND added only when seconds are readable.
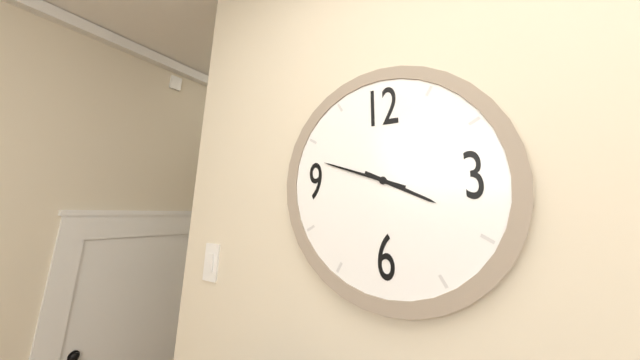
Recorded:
h=3 m=48
